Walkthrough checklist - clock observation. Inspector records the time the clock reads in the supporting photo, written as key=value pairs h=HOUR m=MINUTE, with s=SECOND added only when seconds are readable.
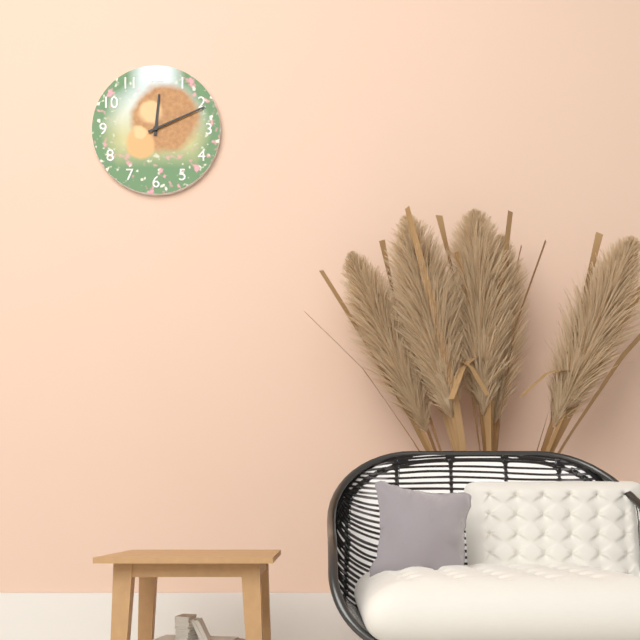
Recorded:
h=12 m=11
